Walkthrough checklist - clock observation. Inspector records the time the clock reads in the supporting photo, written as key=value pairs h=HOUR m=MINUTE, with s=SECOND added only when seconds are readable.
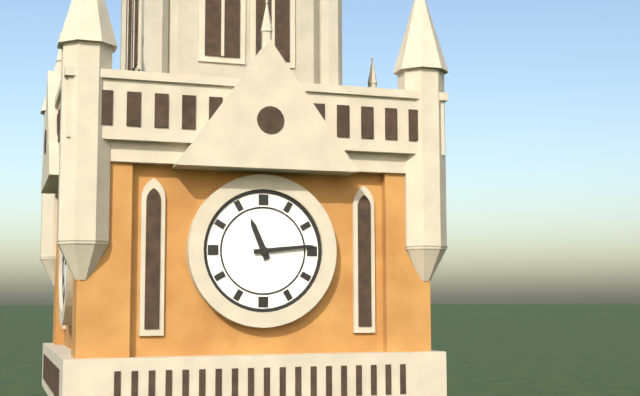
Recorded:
h=11 m=14
